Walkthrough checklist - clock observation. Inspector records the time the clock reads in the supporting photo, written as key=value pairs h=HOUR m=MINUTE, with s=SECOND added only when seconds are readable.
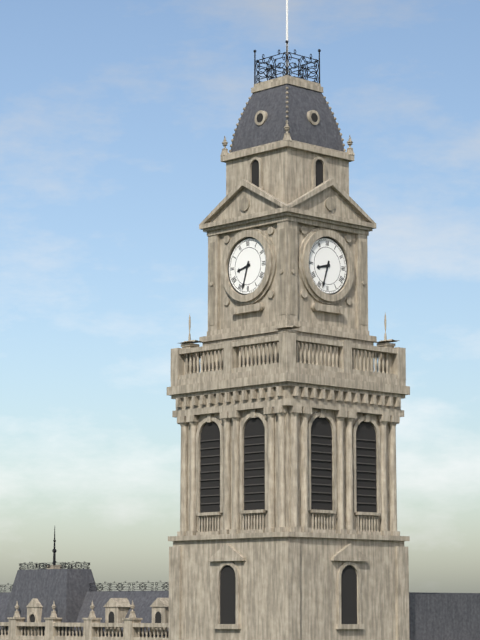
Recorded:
h=8 m=33
